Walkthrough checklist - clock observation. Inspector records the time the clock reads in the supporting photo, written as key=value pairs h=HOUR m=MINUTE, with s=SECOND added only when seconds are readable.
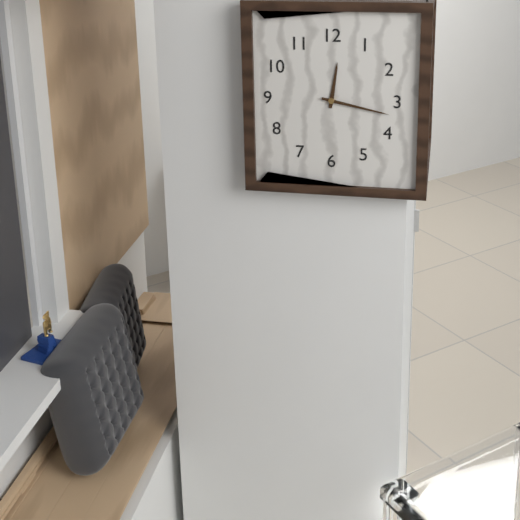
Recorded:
h=12 m=17
